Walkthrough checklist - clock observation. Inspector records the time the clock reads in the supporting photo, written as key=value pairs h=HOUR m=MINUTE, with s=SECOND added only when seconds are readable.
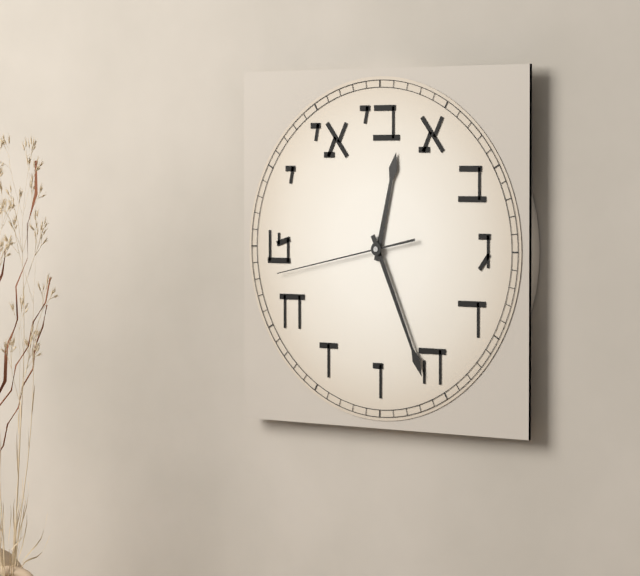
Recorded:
h=12 m=26 s=43
